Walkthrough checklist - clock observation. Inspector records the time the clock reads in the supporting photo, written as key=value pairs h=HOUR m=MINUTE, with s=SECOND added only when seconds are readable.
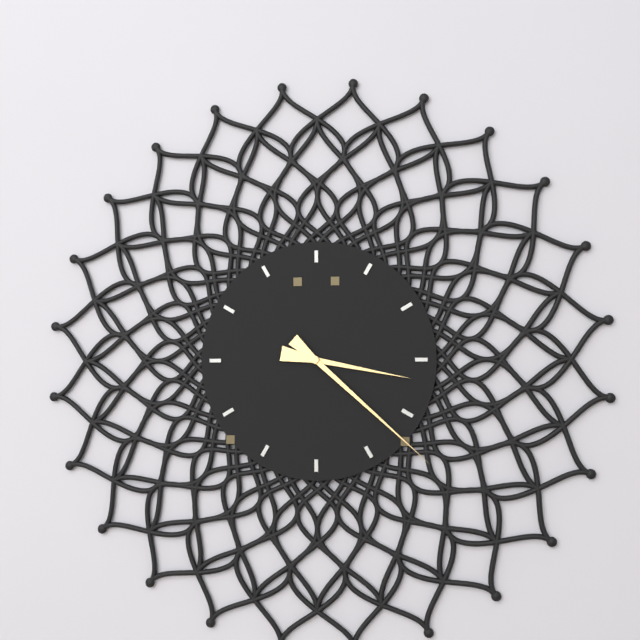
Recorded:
h=3 m=22
